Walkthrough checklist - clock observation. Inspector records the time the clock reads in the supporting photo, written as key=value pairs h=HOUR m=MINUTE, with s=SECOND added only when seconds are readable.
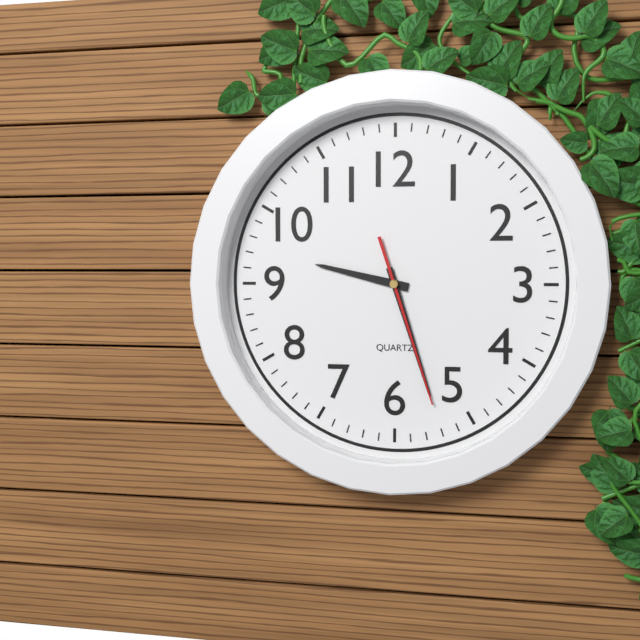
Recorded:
h=9 m=27 s=27
